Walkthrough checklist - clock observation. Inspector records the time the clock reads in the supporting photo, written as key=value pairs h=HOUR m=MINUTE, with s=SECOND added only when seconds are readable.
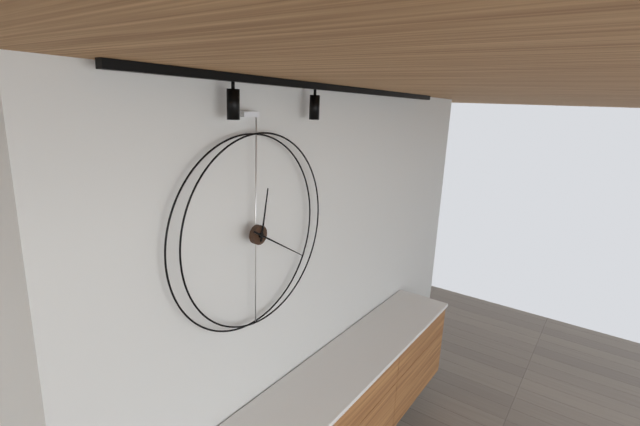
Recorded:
h=12 m=20
